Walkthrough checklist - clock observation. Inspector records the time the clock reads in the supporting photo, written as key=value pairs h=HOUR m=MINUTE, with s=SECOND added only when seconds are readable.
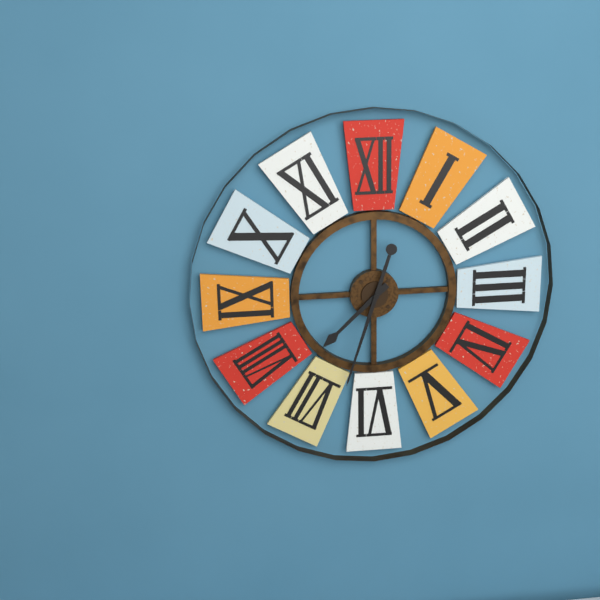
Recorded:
h=7 m=33
